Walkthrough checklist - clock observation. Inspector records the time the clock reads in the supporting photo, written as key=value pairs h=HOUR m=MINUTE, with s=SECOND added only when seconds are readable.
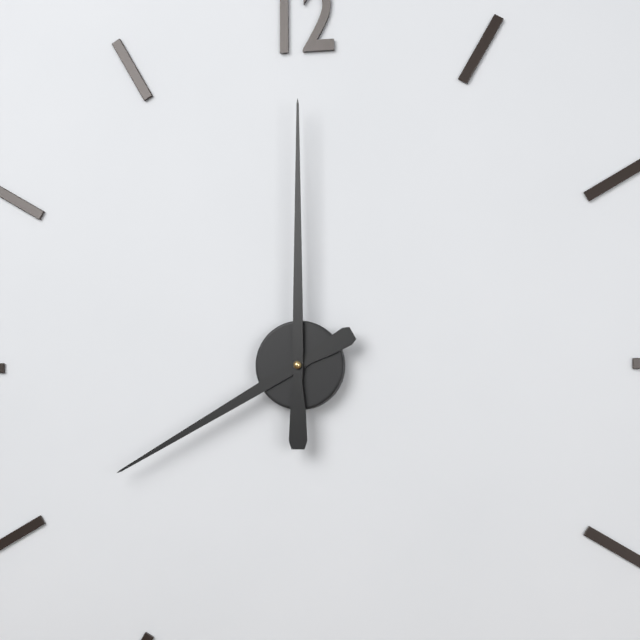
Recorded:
h=8 m=0
